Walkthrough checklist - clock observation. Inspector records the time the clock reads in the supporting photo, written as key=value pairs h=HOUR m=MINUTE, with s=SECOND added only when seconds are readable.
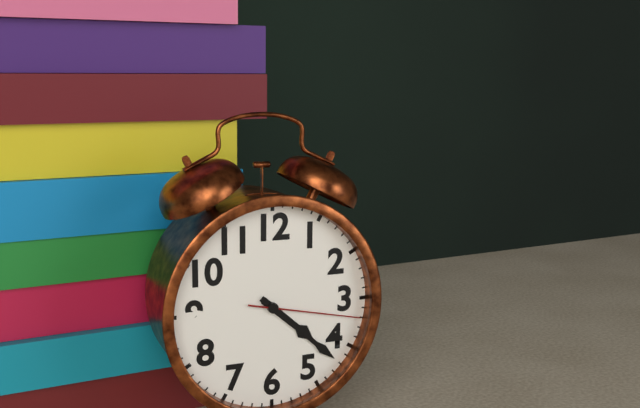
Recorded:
h=4 m=22 s=17
